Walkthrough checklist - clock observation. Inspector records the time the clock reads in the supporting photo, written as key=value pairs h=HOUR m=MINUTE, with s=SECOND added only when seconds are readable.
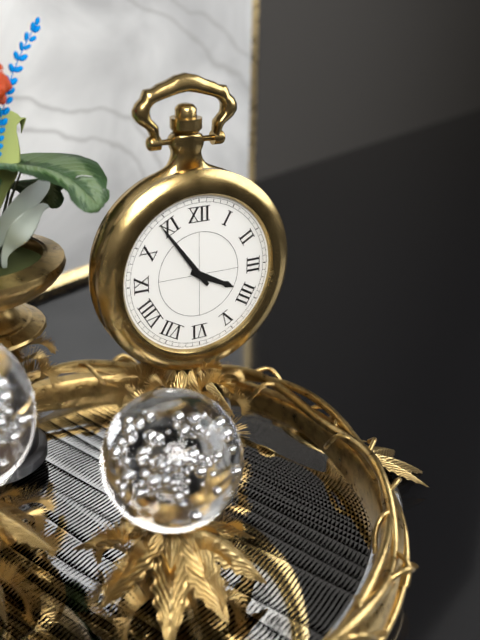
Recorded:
h=3 m=54
